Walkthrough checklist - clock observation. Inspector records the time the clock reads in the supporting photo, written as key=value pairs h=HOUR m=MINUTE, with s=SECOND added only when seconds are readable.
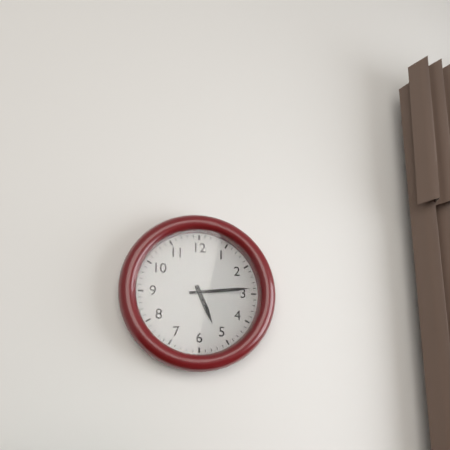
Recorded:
h=5 m=14
